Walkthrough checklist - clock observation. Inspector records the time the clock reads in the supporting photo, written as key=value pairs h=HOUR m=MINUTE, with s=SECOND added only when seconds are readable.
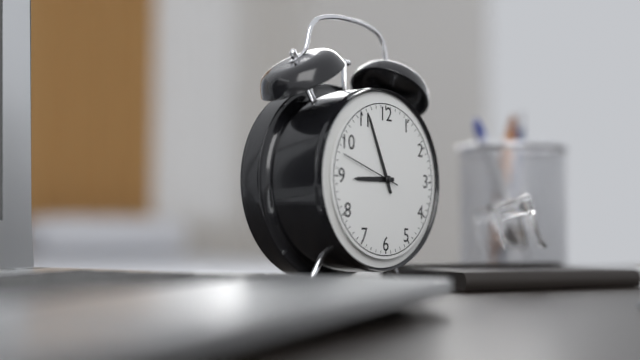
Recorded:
h=8 m=56 s=48
